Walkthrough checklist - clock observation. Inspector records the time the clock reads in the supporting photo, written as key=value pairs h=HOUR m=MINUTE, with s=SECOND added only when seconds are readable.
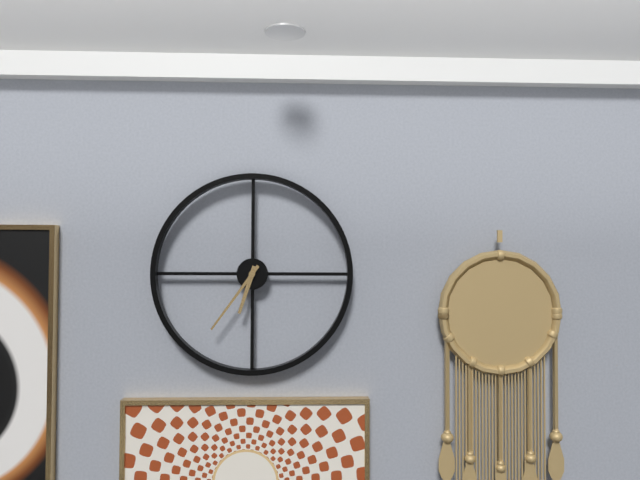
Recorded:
h=6 m=36
